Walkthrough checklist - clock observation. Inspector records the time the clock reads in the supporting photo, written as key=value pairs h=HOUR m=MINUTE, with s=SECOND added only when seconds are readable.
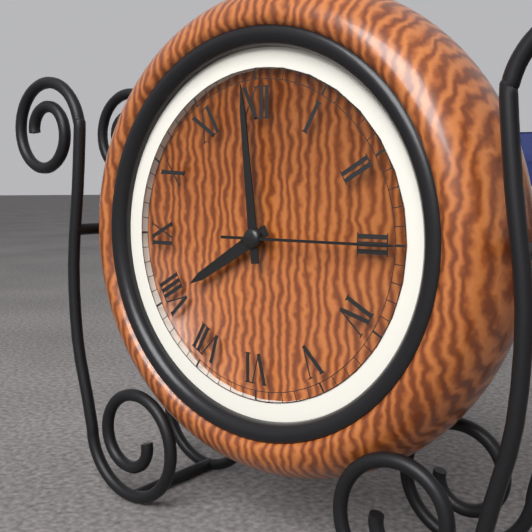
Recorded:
h=7 m=59 s=15
